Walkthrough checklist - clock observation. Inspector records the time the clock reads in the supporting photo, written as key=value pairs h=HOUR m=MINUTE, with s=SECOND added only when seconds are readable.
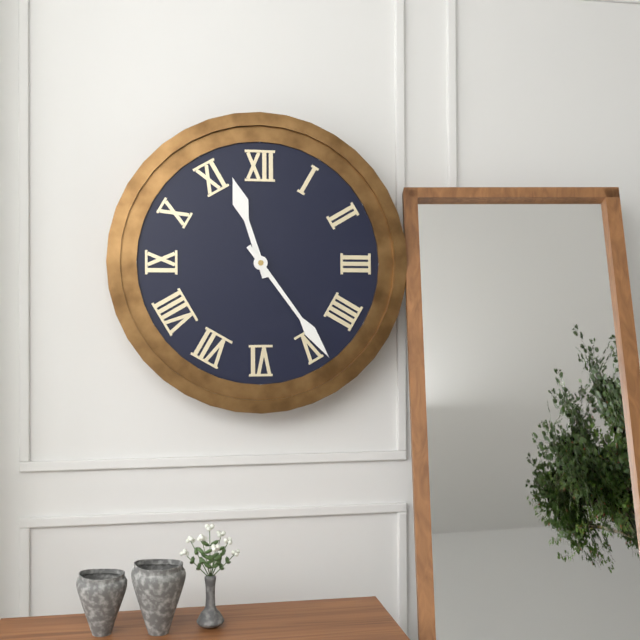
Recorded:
h=11 m=24
